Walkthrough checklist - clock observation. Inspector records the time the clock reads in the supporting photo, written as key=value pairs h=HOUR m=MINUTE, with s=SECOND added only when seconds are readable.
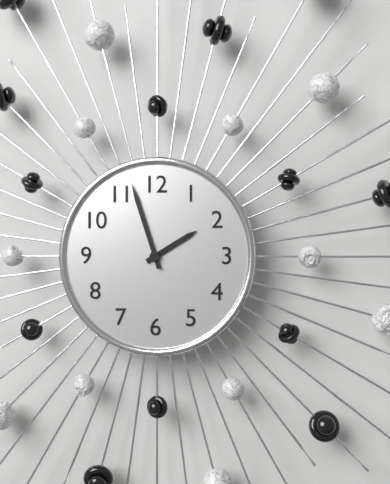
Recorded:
h=1 m=57
